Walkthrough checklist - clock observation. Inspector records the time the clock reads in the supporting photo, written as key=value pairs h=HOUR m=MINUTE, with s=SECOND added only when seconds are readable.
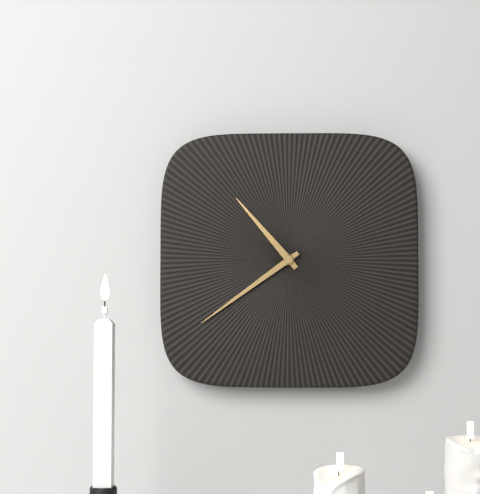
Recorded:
h=10 m=39
